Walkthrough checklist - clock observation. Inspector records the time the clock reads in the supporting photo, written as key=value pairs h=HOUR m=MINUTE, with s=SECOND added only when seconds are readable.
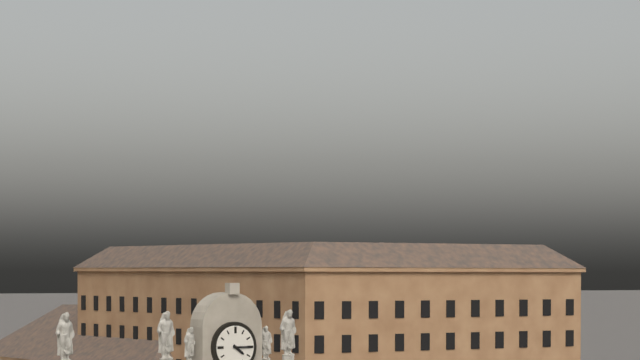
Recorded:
h=4 m=15
